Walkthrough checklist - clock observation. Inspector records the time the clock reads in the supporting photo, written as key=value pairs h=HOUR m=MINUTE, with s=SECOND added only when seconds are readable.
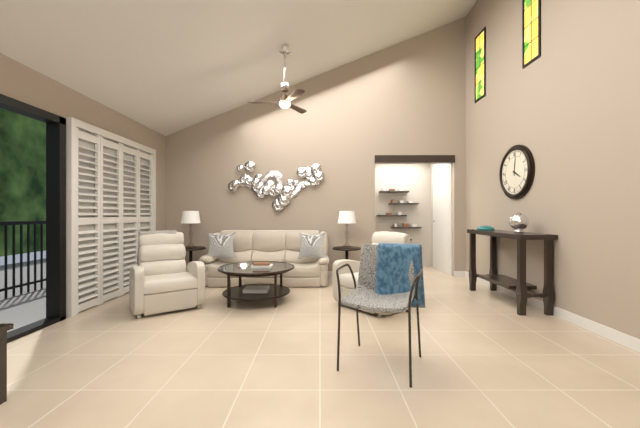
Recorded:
h=4 m=1
